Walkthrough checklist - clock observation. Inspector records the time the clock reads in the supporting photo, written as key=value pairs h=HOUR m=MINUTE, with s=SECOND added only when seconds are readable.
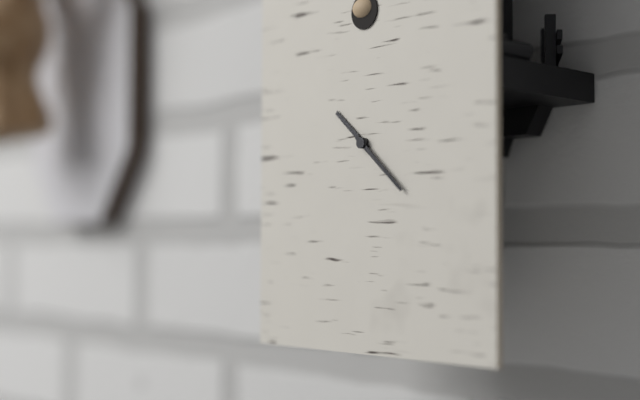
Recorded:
h=10 m=22
